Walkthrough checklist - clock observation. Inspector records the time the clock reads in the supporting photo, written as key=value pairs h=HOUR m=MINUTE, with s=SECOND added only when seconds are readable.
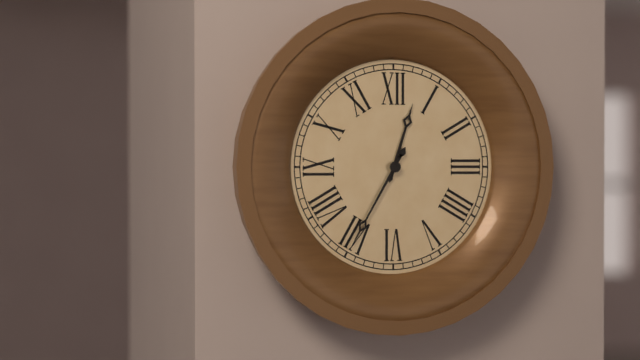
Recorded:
h=12 m=35
